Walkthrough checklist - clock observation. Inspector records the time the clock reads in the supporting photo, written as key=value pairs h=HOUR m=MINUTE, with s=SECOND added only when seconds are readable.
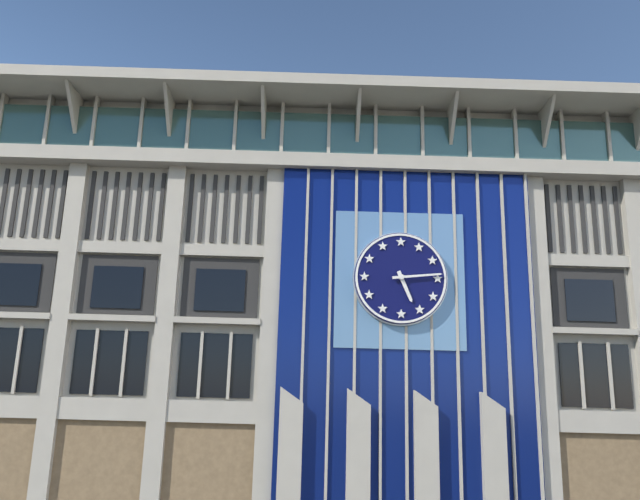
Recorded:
h=5 m=14
